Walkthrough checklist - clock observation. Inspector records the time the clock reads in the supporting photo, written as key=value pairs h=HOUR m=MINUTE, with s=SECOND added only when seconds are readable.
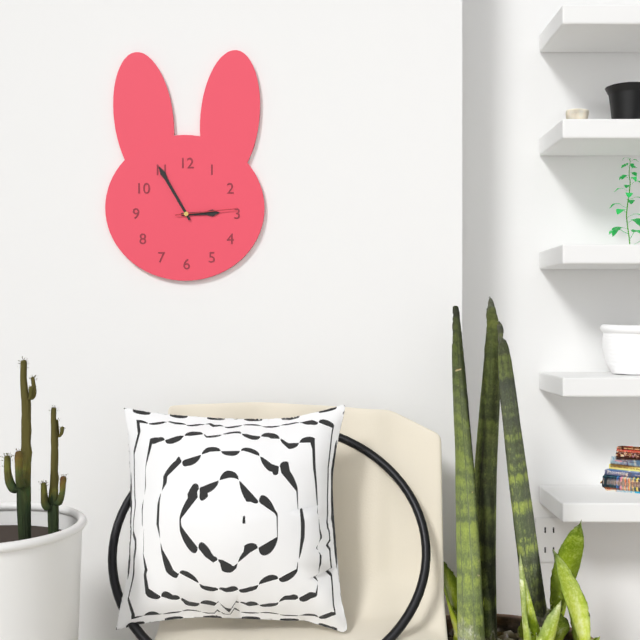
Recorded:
h=2 m=55 s=14
